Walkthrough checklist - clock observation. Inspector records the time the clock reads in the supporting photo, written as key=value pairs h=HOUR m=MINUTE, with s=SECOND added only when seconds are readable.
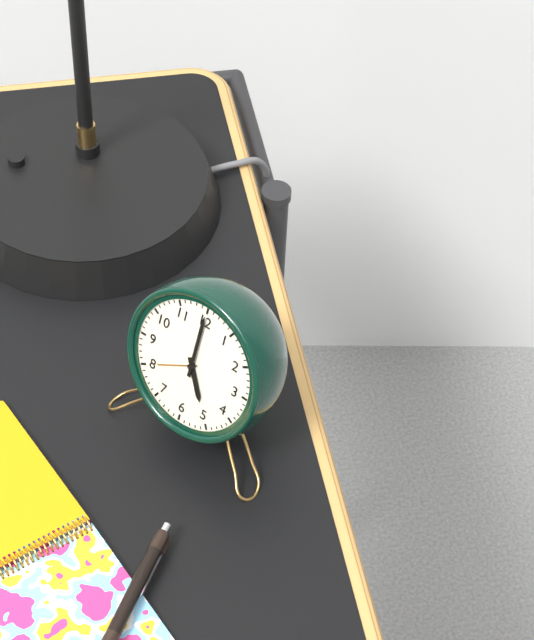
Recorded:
h=5 m=0
